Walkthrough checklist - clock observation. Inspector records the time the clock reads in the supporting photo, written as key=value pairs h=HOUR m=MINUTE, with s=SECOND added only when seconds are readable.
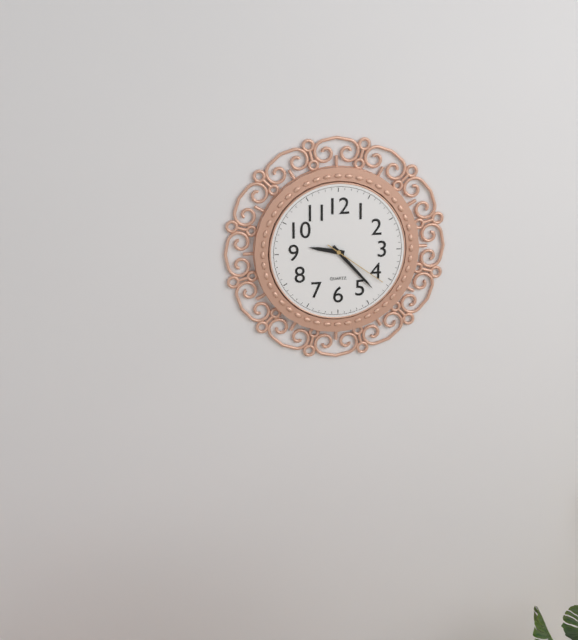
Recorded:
h=9 m=23 s=21
